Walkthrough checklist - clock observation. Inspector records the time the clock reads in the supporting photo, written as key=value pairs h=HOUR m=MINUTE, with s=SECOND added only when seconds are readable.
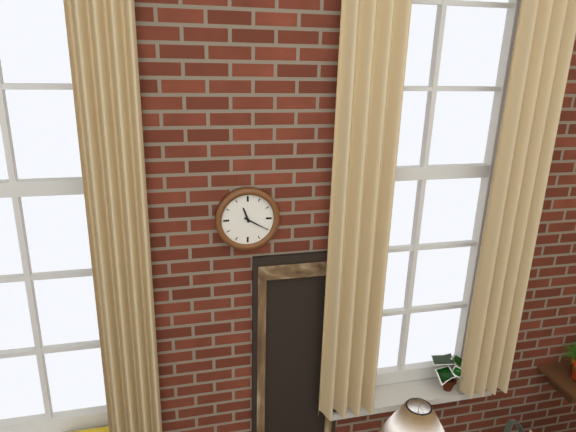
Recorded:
h=11 m=20
